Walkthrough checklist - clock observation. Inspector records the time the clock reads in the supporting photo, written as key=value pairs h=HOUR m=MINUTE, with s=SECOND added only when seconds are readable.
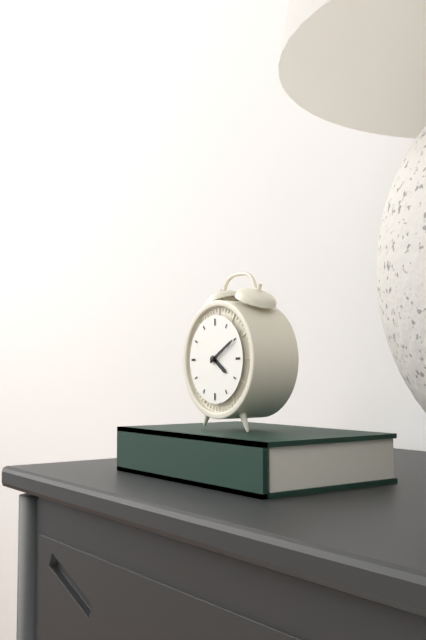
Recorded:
h=4 m=10
